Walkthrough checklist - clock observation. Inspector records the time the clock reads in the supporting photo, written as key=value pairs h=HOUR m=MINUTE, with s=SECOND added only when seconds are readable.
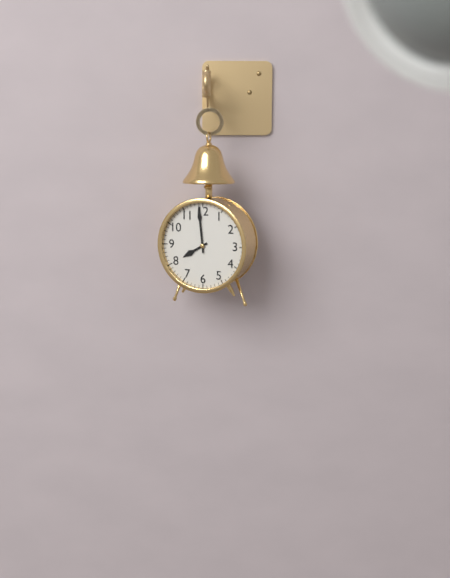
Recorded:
h=7 m=59
